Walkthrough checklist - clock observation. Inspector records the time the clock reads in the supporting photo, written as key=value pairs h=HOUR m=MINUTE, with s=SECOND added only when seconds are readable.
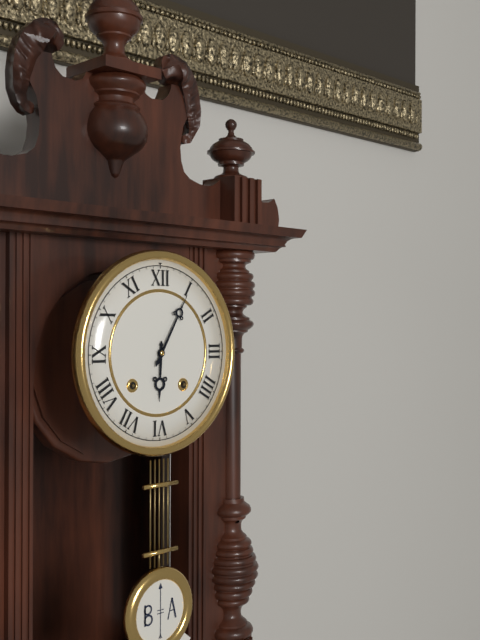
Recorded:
h=6 m=5
